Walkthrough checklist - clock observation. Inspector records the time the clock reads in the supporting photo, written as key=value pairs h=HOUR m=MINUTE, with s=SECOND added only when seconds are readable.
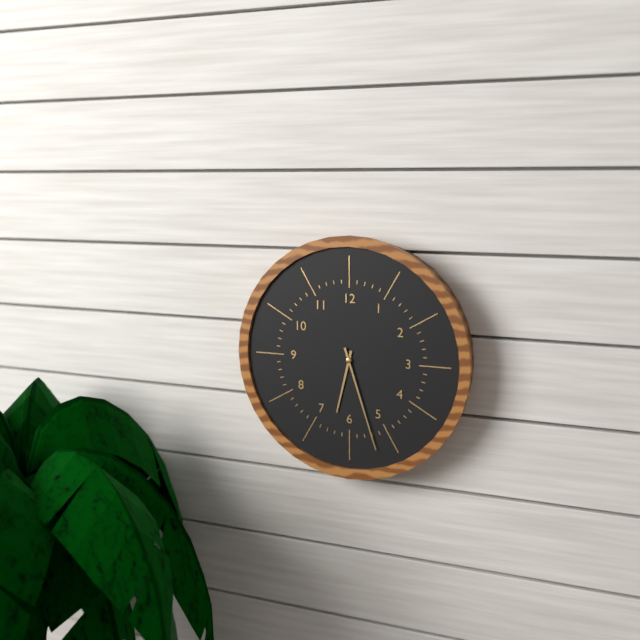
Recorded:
h=6 m=27
